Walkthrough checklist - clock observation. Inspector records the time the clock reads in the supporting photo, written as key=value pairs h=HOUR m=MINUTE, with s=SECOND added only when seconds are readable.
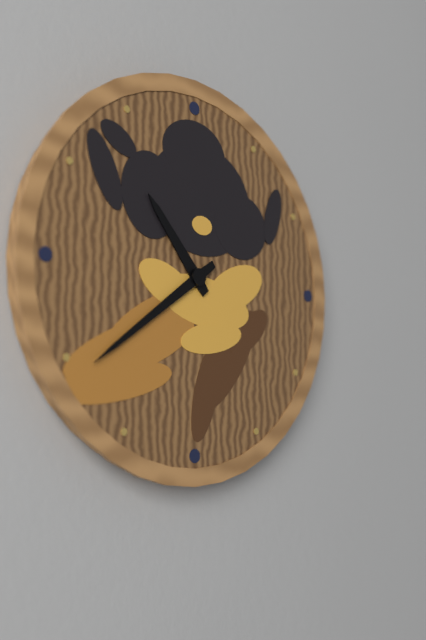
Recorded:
h=10 m=39
